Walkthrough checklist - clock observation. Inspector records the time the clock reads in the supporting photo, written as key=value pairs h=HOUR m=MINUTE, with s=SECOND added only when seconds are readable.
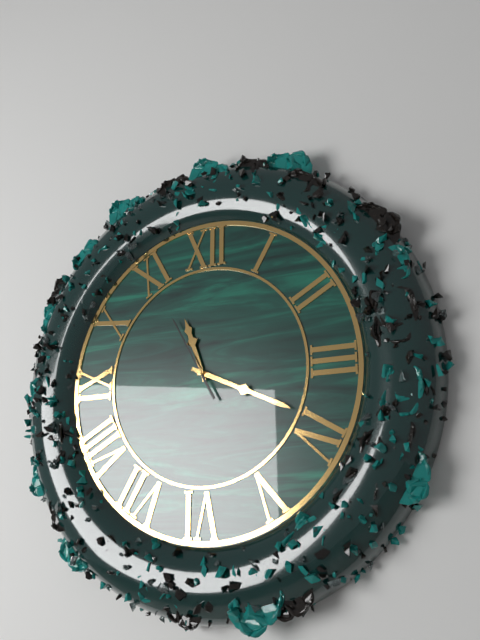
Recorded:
h=11 m=19 s=55
